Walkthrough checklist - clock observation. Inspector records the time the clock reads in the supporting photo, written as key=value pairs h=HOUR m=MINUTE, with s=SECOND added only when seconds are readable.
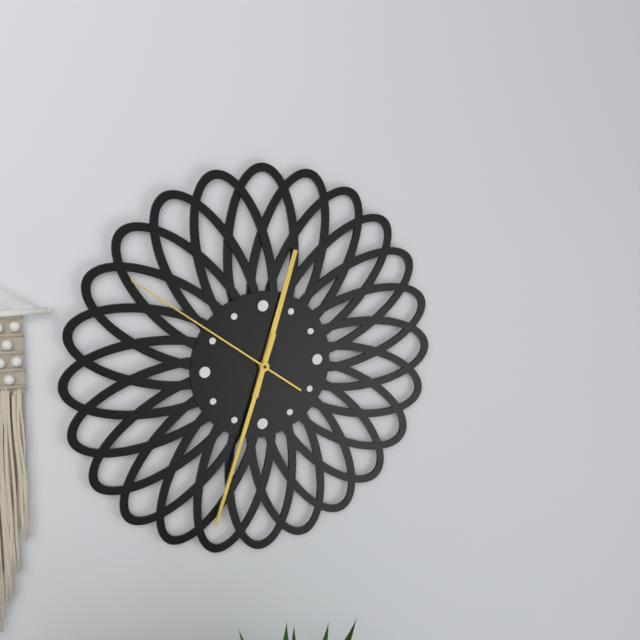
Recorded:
h=12 m=33 s=51
